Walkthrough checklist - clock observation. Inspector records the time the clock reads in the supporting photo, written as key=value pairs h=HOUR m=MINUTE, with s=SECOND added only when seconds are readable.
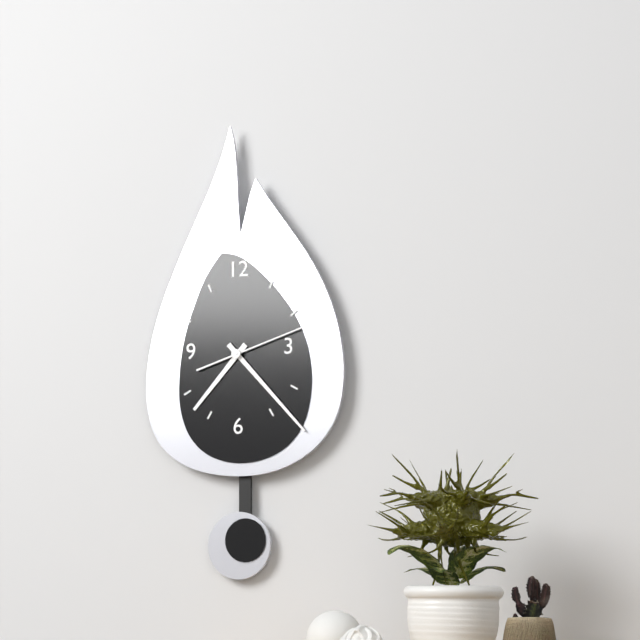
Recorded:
h=7 m=23 s=12
